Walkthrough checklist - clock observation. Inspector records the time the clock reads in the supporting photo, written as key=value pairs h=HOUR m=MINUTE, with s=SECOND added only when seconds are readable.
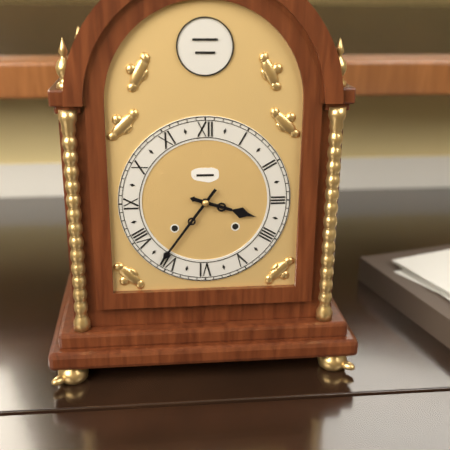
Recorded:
h=3 m=36
